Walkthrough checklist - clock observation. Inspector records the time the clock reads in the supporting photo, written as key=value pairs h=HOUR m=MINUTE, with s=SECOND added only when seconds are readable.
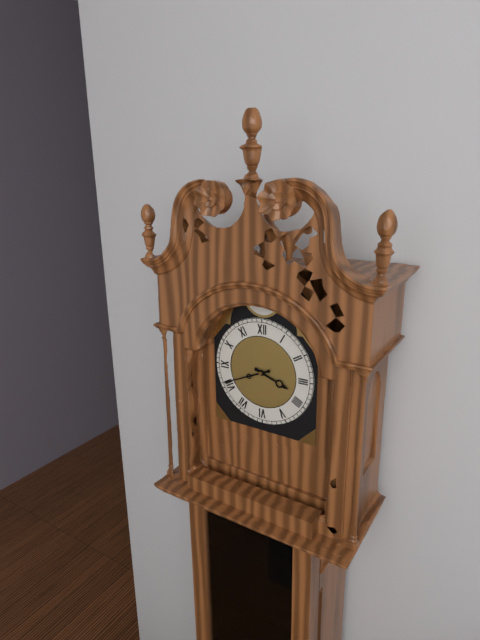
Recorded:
h=3 m=41
